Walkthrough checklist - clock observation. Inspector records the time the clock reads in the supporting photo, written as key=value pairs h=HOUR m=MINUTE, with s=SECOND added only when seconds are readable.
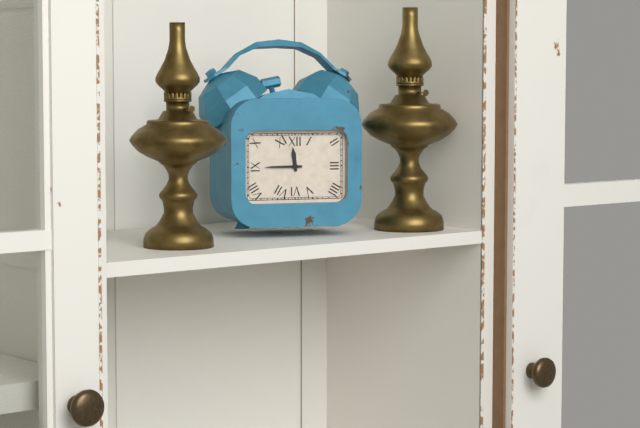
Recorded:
h=11 m=45
